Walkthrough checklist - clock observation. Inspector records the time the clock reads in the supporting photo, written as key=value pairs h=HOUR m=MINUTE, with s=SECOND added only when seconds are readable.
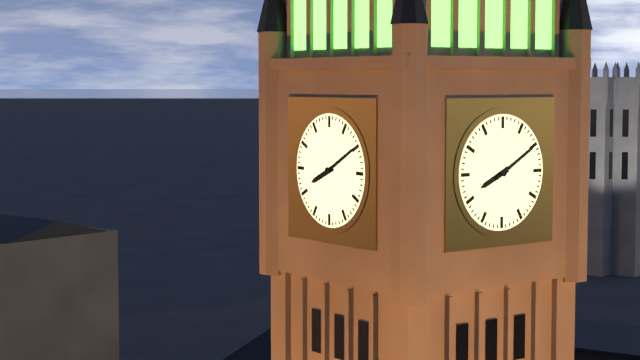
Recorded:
h=8 m=10
